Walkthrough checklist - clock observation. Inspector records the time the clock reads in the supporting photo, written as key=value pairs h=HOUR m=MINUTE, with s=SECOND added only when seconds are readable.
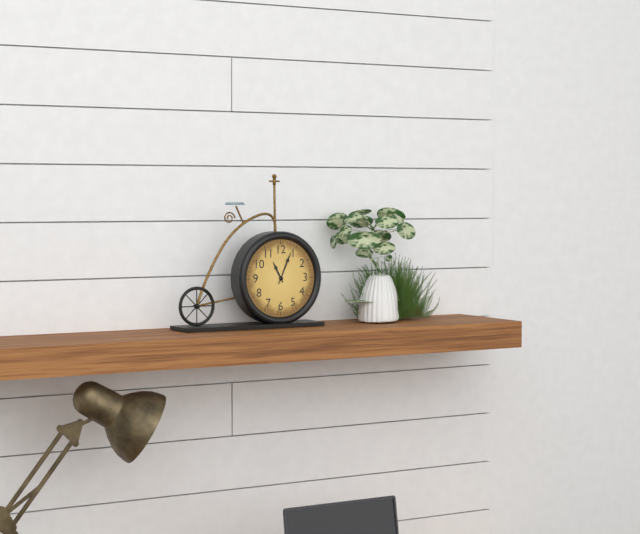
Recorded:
h=11 m=4
